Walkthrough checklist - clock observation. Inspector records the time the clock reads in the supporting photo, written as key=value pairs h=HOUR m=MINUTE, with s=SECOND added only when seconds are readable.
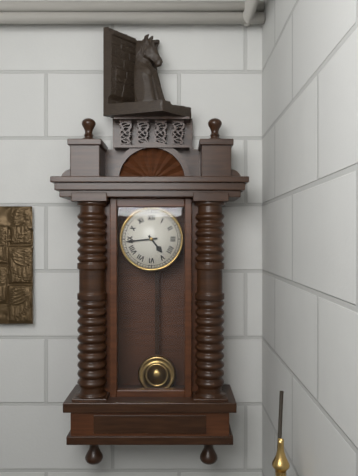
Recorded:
h=4 m=44
